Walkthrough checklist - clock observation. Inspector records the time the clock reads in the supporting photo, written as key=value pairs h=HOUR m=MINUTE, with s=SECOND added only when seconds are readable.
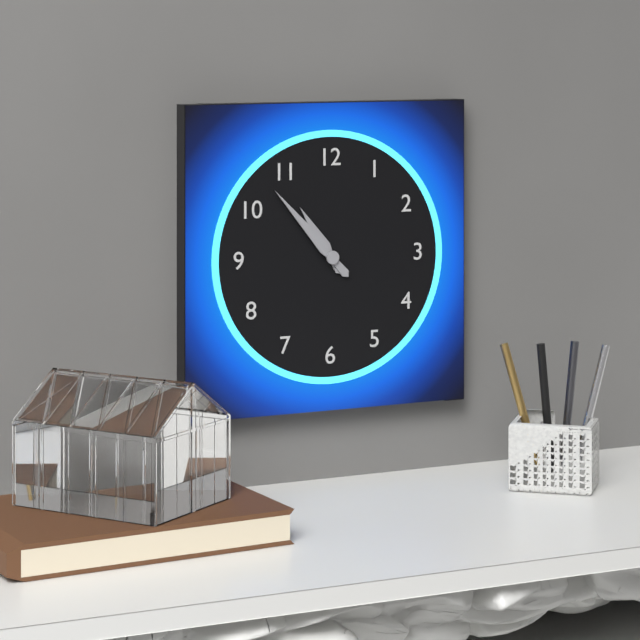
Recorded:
h=10 m=53
